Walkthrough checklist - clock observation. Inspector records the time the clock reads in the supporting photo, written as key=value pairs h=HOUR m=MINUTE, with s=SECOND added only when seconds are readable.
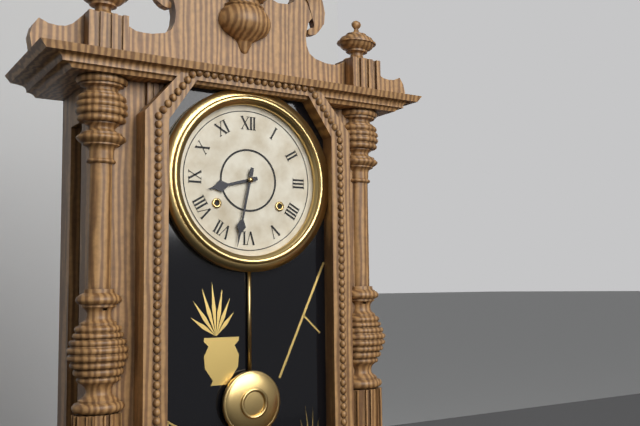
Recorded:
h=8 m=32
